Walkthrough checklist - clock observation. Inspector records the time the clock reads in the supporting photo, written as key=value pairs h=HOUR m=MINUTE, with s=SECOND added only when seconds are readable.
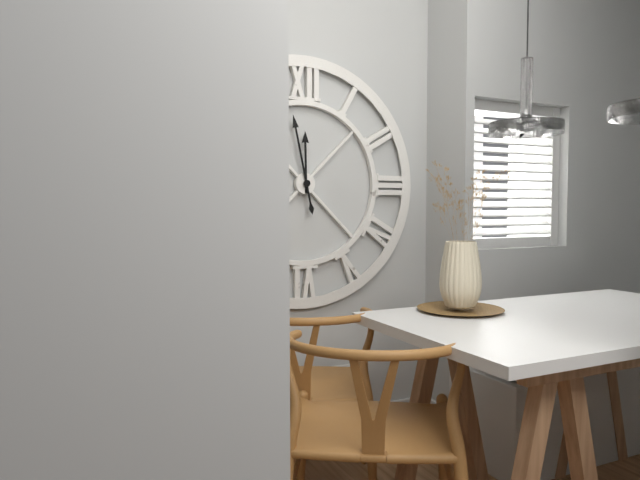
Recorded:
h=11 m=58
